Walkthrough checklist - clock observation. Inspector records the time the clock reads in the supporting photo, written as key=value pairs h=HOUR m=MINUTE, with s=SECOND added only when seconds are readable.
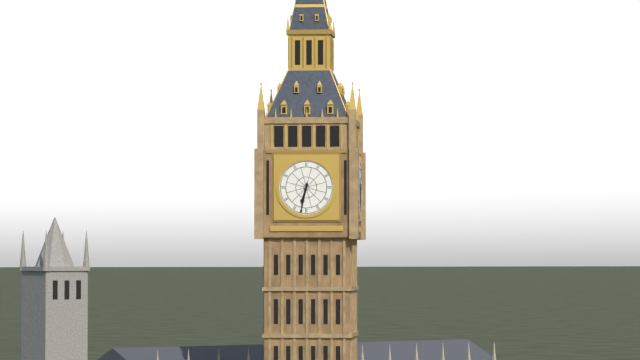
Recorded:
h=6 m=32
